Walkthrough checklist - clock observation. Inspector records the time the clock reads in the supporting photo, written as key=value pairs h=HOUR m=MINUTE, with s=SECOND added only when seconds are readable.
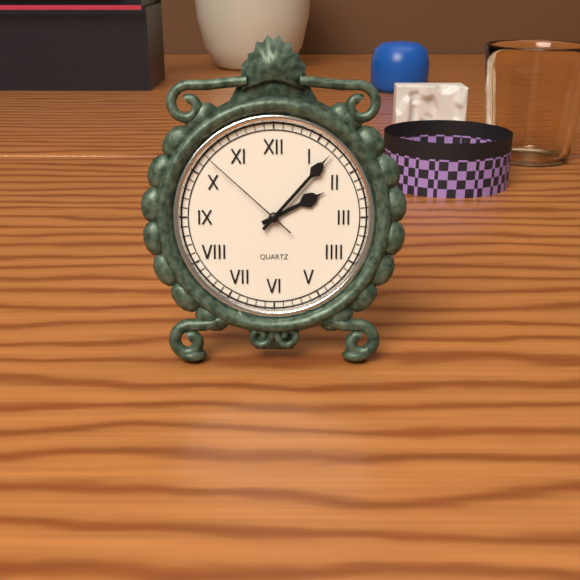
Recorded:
h=2 m=7 s=52
